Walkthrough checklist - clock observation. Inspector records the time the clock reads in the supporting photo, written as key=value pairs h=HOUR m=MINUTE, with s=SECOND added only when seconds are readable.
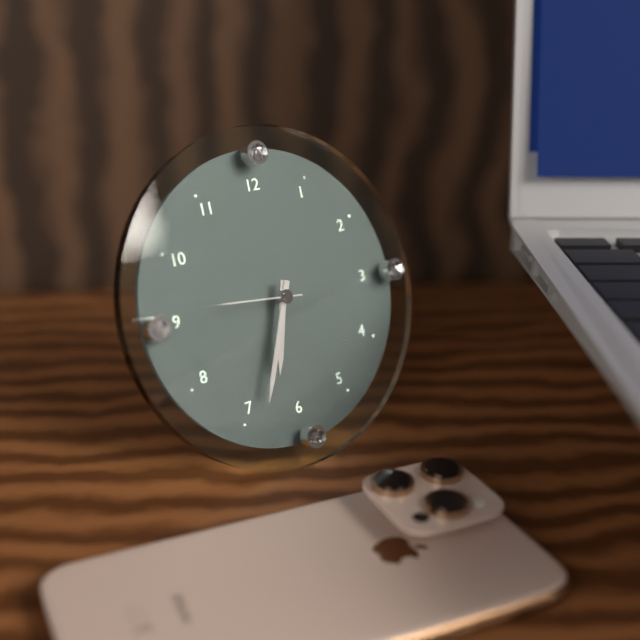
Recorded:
h=6 m=34 s=46
